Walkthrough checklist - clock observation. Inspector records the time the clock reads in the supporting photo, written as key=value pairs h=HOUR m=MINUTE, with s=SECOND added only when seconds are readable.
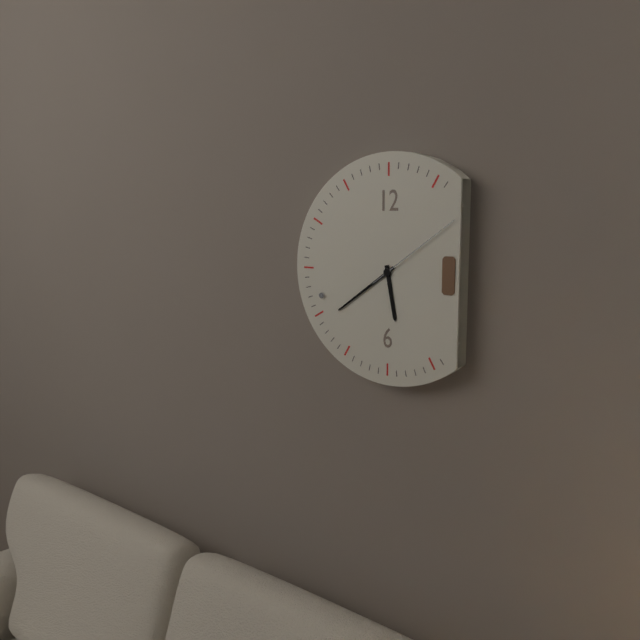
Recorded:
h=5 m=39 s=9
